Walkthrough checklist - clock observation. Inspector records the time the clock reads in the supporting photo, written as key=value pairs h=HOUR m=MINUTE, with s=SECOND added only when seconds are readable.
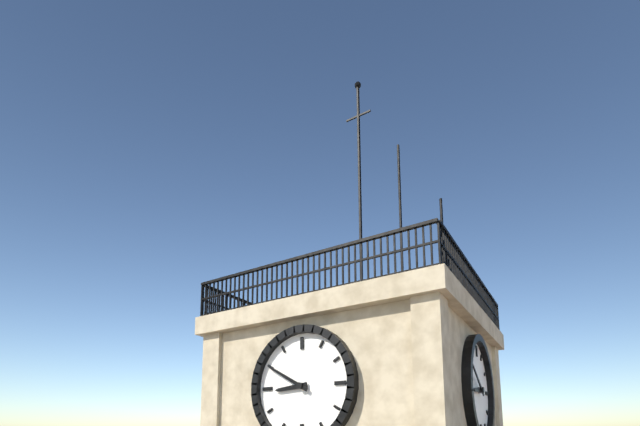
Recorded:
h=8 m=50
